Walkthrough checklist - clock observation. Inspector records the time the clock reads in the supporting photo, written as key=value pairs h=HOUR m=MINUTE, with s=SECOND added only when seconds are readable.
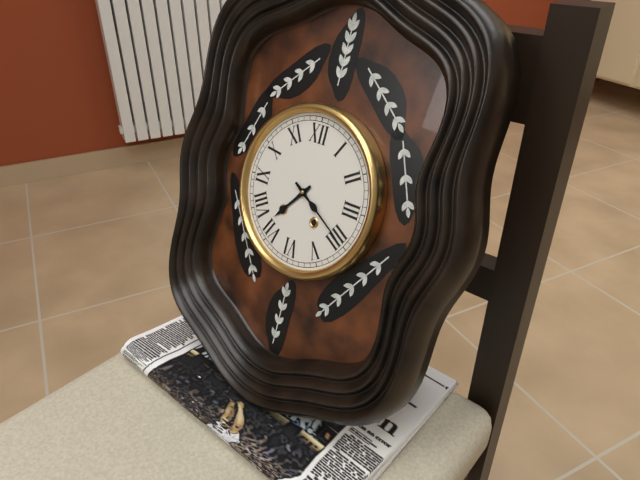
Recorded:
h=7 m=20
